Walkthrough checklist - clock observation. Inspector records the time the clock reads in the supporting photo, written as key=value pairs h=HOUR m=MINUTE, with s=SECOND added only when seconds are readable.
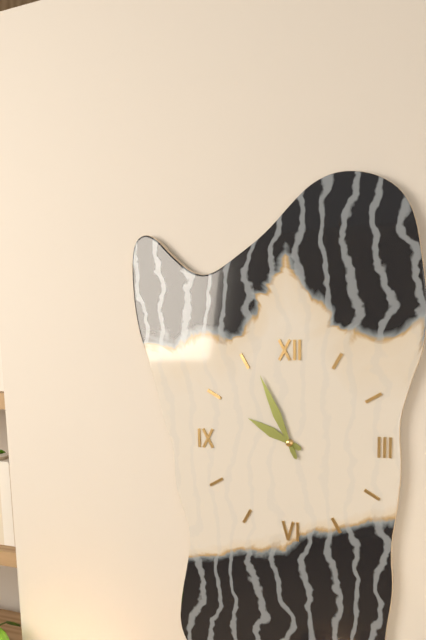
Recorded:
h=9 m=56
